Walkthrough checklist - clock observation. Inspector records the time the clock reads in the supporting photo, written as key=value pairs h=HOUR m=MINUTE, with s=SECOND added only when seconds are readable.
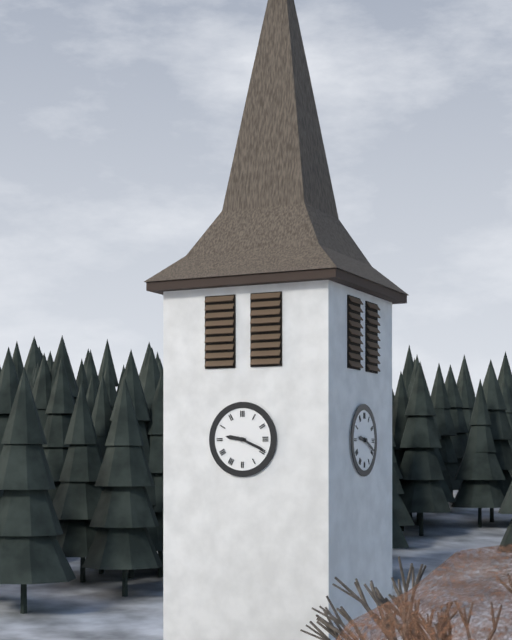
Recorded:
h=9 m=19
